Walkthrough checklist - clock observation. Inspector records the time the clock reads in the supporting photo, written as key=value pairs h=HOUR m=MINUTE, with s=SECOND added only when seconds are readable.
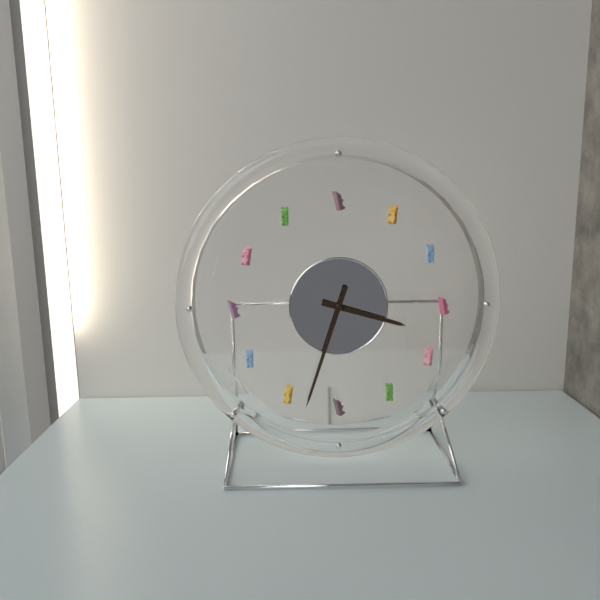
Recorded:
h=3 m=33
